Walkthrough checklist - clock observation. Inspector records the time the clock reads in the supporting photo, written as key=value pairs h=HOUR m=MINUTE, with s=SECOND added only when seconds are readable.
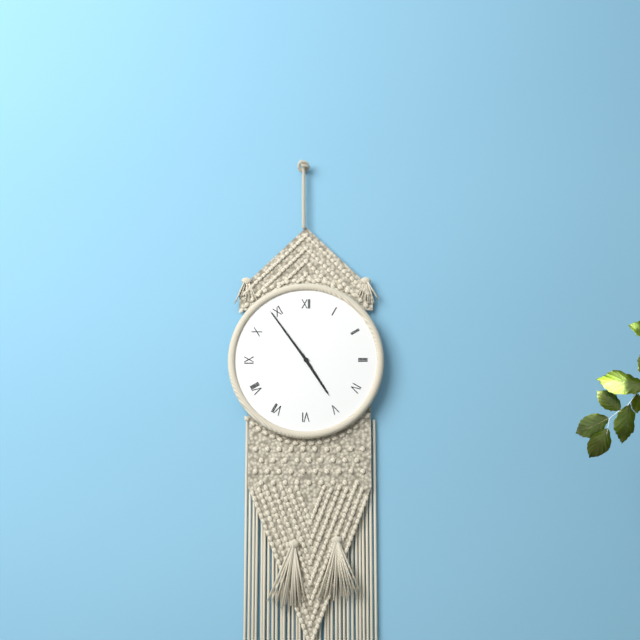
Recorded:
h=4 m=54
